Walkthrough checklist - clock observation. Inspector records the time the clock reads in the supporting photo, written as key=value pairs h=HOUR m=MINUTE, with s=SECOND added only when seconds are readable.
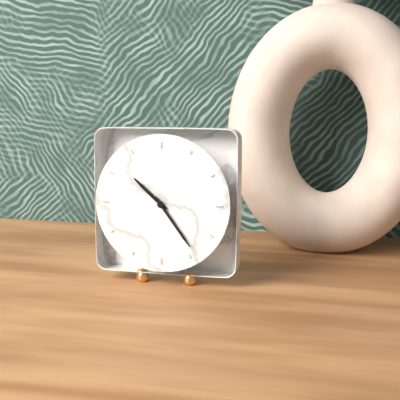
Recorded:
h=10 m=24
